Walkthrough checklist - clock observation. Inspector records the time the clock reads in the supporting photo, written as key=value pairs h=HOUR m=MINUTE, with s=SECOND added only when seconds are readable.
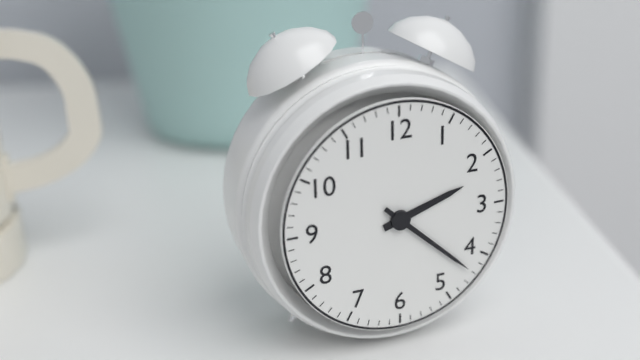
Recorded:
h=2 m=22
